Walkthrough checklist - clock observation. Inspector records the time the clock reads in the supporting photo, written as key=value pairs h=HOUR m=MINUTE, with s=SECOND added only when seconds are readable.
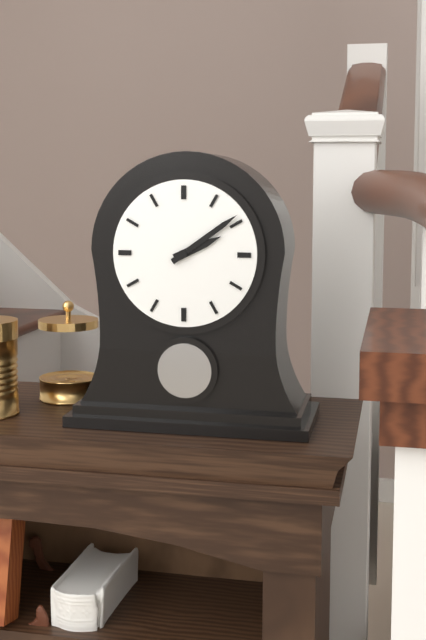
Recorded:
h=2 m=9
